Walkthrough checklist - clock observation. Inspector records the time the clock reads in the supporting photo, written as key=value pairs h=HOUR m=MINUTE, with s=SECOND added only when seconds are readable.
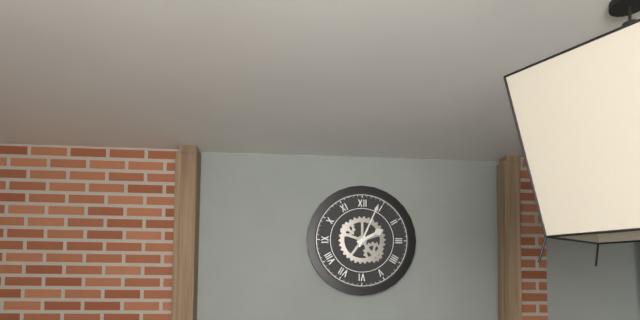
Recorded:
h=2 m=4
